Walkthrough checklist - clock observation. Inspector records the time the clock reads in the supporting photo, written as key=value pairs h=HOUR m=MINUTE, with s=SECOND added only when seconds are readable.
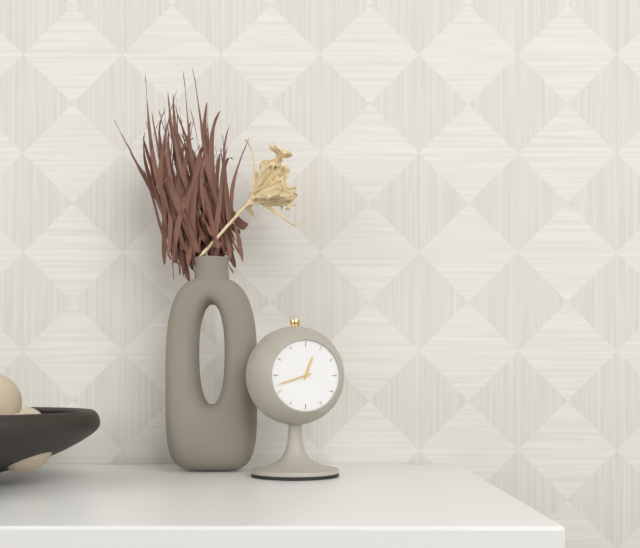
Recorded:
h=12 m=42
